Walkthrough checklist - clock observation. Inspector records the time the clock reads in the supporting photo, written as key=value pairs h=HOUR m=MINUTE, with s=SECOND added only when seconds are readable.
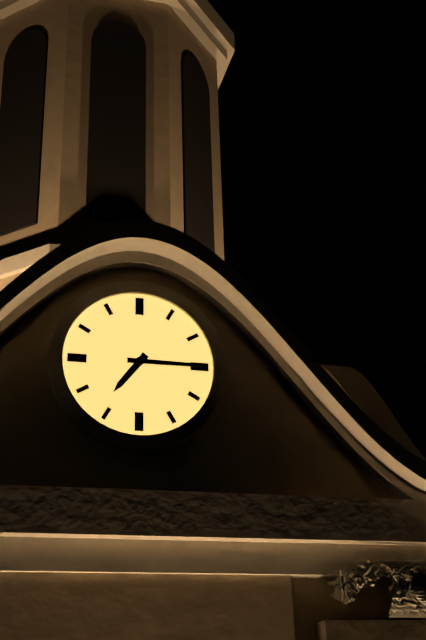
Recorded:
h=7 m=15
